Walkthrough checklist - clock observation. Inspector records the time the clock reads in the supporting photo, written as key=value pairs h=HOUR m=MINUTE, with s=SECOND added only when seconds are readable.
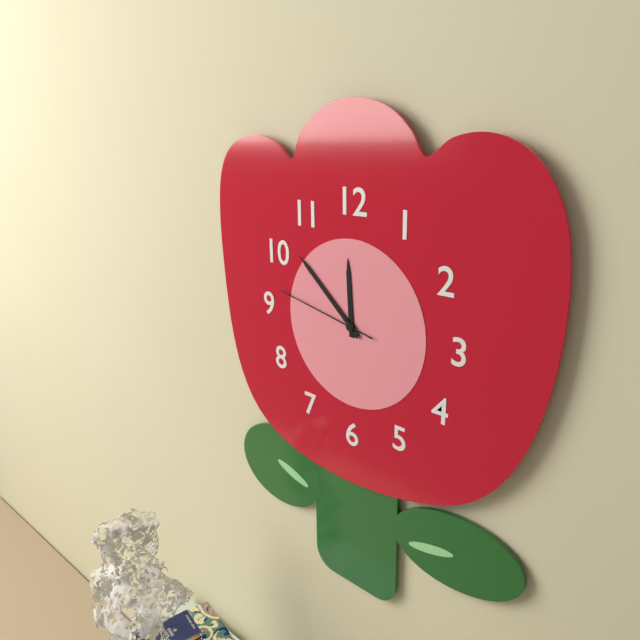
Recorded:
h=11 m=52 s=47
